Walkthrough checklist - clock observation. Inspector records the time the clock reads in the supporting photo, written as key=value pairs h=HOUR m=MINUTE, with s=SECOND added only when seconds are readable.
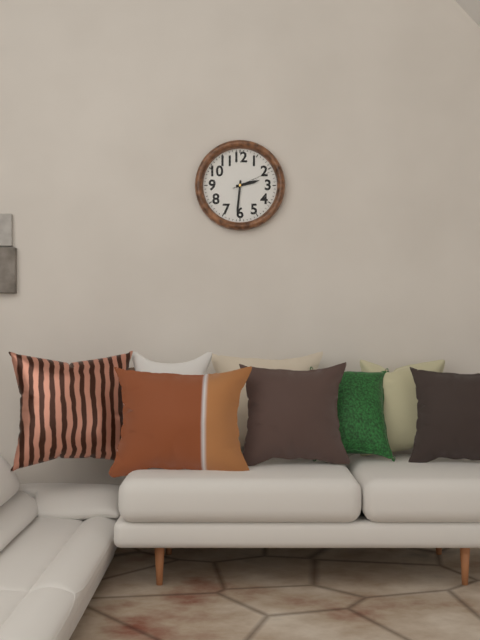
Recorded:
h=2 m=31
